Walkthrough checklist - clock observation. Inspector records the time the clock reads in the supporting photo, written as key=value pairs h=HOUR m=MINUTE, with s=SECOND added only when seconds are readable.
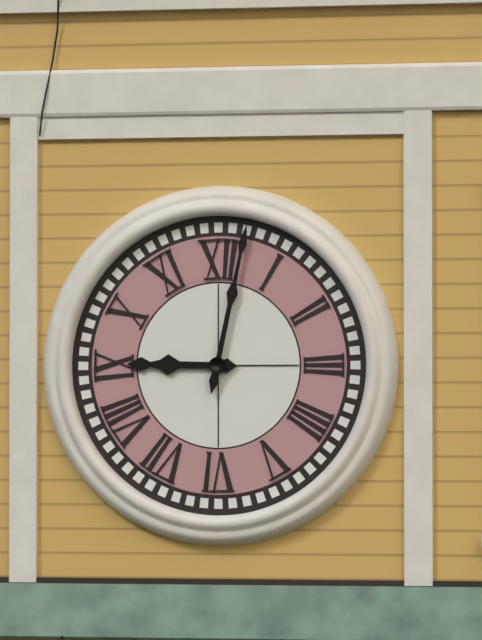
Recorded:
h=9 m=2
